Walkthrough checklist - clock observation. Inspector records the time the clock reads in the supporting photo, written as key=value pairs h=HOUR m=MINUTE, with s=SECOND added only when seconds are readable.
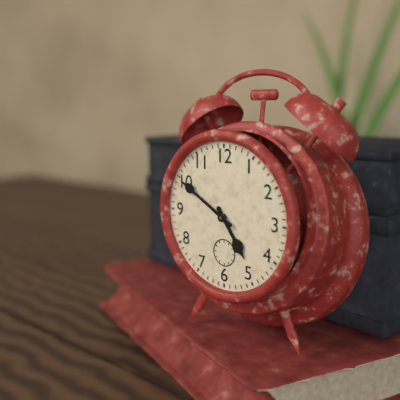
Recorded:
h=4 m=50
